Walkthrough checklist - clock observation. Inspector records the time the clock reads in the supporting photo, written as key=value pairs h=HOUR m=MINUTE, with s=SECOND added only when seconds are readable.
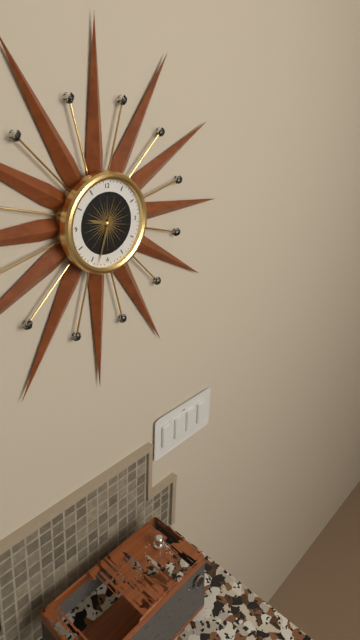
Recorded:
h=9 m=33
